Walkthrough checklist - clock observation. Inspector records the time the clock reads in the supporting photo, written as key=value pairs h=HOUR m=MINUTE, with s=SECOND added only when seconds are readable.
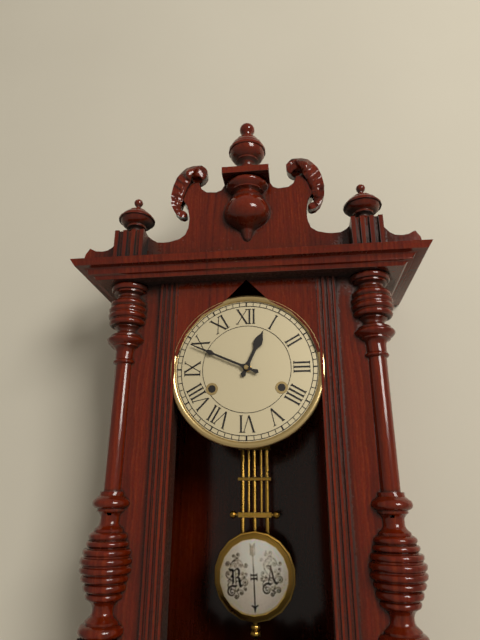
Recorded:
h=12 m=49
